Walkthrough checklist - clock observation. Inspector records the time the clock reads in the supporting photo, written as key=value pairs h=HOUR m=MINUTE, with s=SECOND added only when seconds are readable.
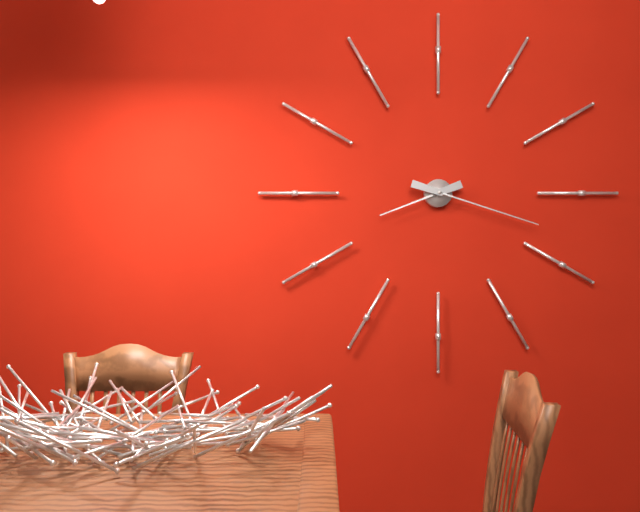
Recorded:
h=8 m=18
